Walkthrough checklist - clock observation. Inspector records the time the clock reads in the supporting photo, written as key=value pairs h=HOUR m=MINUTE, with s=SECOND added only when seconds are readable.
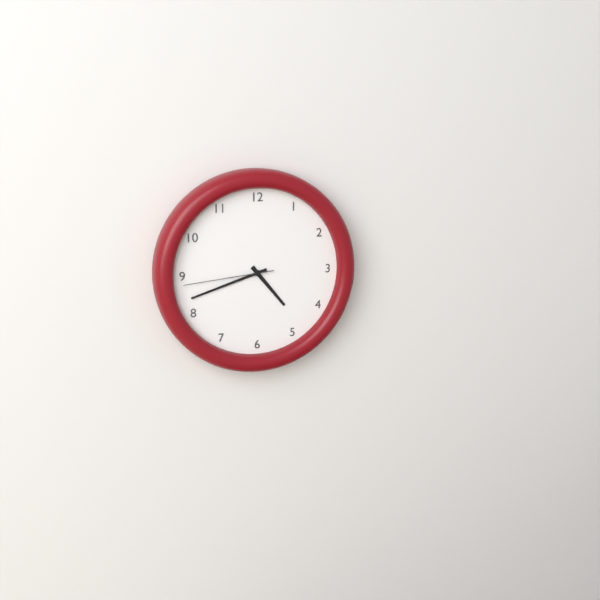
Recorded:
h=4 m=42 s=44
